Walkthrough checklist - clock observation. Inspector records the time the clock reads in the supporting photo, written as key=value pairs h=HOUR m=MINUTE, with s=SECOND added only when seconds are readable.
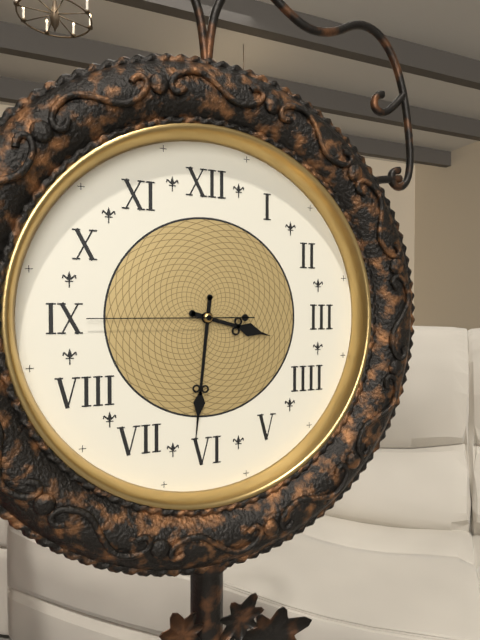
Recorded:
h=3 m=31 s=45
